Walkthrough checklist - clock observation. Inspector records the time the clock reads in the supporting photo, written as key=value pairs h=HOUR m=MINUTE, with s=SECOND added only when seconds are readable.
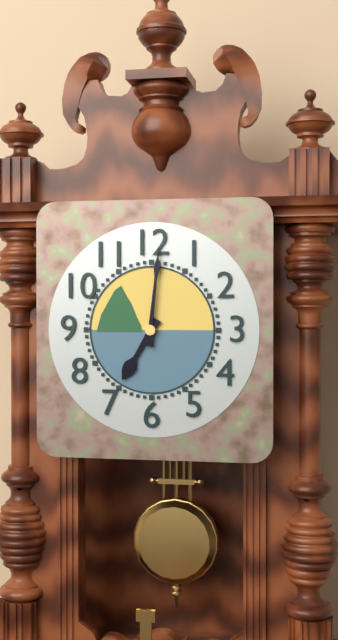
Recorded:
h=7 m=1
